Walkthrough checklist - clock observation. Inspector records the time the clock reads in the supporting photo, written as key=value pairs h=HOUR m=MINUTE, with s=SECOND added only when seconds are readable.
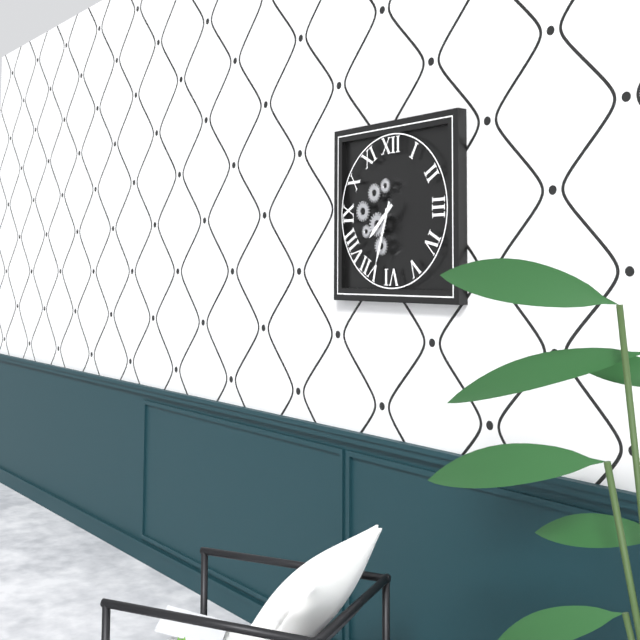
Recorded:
h=7 m=33
